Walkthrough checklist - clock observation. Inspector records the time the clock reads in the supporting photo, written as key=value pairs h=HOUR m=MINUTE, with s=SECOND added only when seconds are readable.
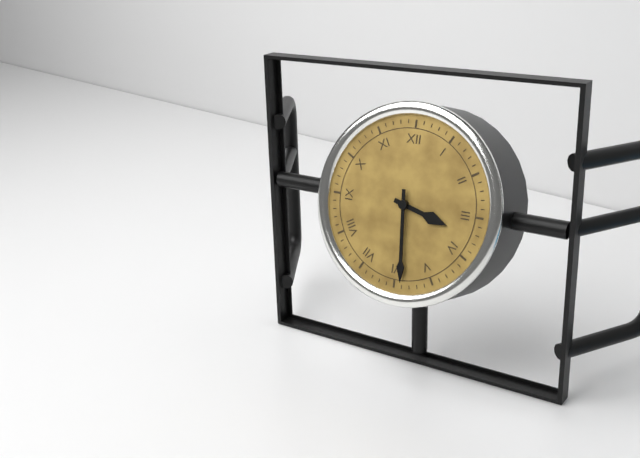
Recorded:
h=3 m=29
